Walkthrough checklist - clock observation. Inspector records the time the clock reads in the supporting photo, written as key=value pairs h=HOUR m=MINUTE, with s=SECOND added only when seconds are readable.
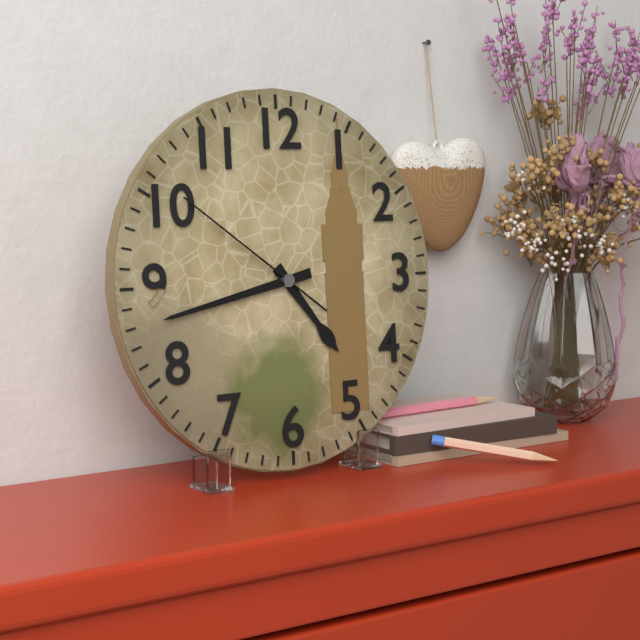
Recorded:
h=4 m=43 s=51
